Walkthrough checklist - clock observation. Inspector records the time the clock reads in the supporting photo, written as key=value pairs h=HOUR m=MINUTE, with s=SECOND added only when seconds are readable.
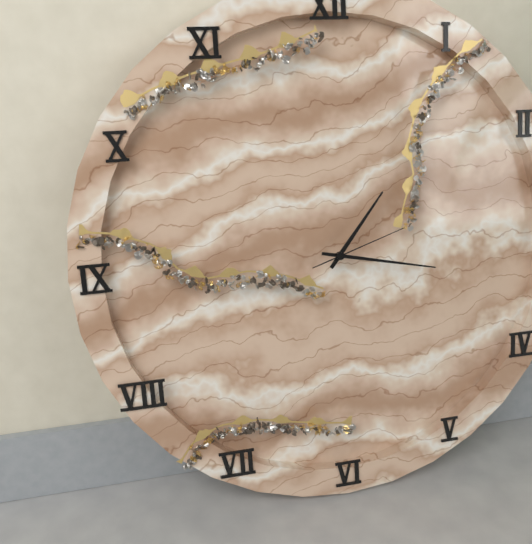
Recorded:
h=1 m=17 s=12
